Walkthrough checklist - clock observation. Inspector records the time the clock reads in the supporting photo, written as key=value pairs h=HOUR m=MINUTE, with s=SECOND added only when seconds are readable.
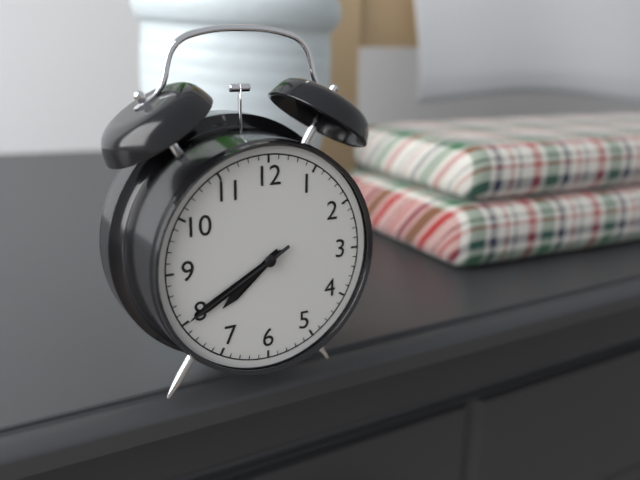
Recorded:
h=7 m=40 s=40
